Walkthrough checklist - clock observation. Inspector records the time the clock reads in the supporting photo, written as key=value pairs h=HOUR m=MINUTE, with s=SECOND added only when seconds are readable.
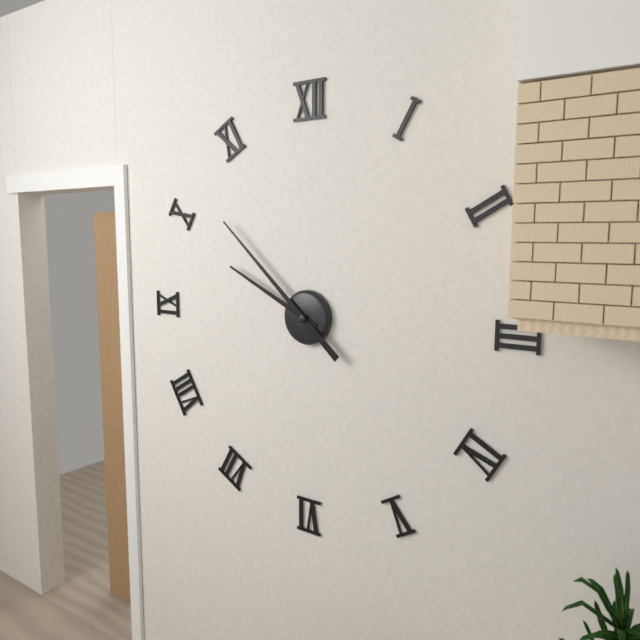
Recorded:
h=9 m=52
